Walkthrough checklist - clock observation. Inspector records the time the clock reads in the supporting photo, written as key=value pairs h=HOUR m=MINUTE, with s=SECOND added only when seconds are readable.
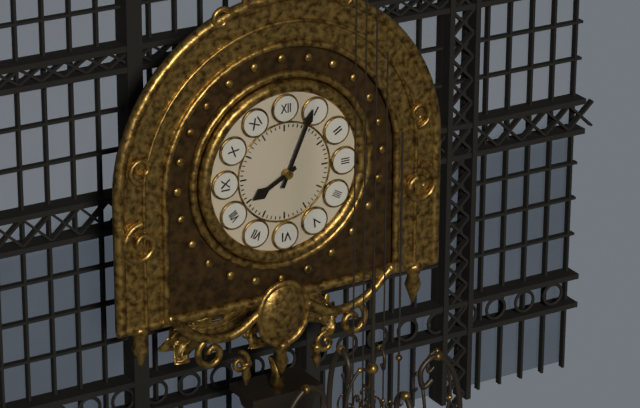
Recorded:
h=8 m=4
